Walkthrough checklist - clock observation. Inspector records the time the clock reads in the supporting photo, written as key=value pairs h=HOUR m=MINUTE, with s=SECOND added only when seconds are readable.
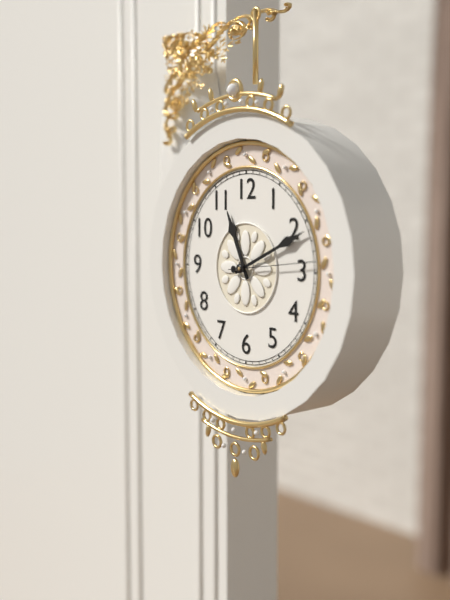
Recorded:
h=11 m=11 s=14
